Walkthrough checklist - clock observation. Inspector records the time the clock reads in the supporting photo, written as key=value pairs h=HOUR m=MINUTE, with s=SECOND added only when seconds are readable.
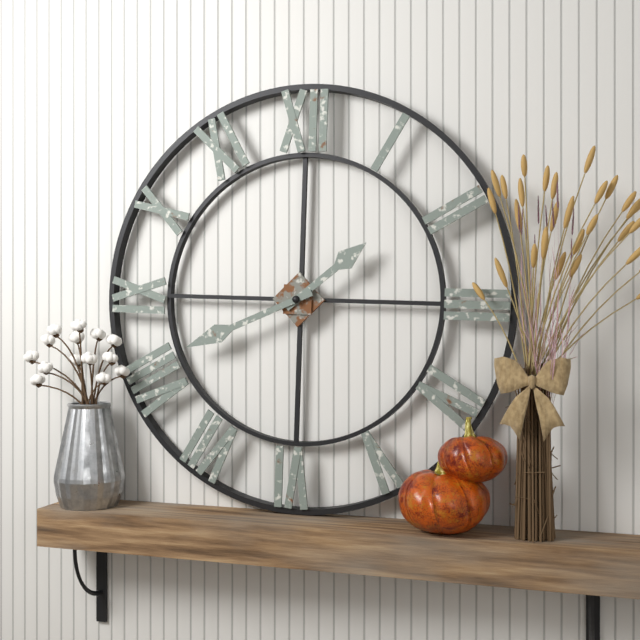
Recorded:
h=1 m=41
